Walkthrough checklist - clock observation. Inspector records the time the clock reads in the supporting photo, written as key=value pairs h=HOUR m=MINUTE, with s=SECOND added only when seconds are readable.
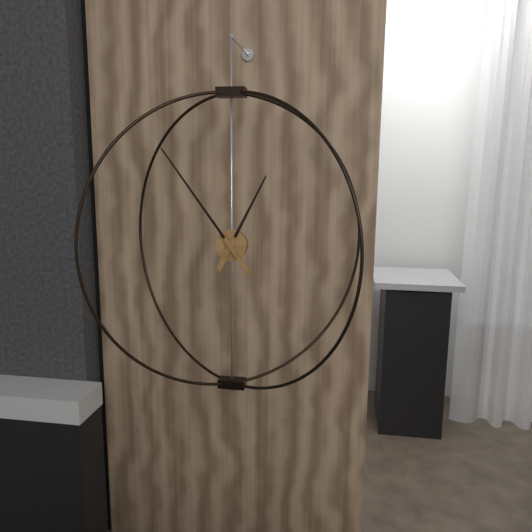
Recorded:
h=12 m=54
